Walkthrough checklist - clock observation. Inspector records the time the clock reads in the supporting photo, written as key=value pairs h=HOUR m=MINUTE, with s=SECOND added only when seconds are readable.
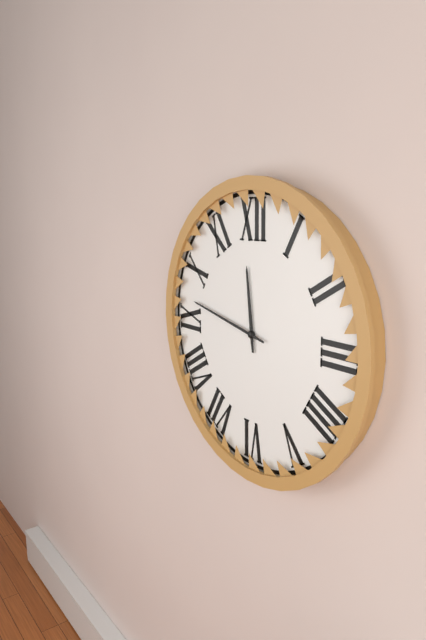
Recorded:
h=11 m=47
